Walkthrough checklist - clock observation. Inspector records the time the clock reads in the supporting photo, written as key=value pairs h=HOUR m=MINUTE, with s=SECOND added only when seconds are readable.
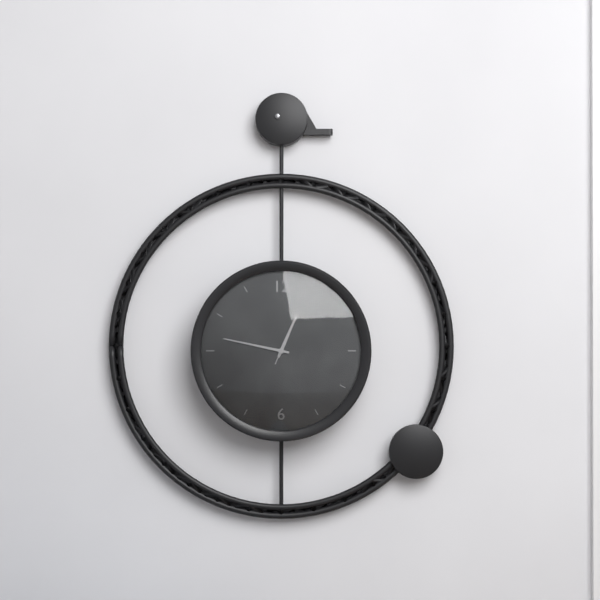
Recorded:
h=12 m=47 s=4
